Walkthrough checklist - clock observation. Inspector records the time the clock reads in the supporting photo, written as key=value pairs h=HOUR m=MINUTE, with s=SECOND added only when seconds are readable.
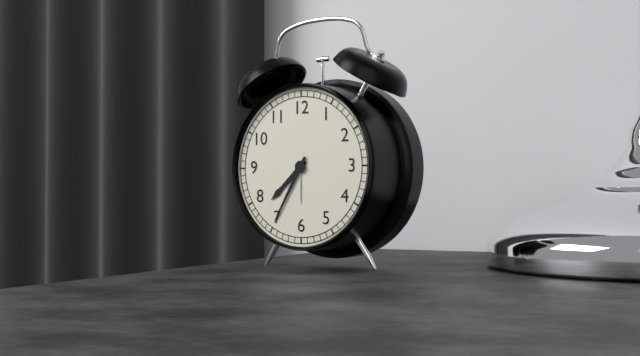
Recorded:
h=7 m=35
